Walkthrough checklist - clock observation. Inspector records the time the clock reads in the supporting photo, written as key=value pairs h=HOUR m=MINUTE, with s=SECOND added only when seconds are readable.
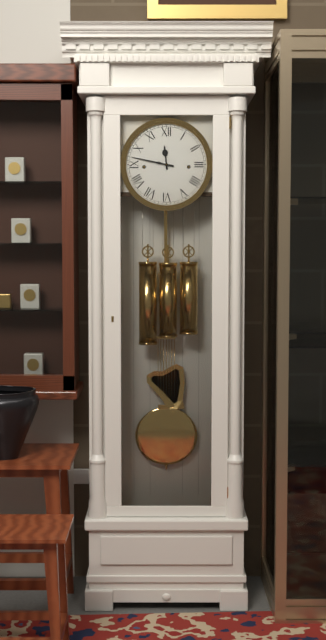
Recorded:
h=11 m=47
